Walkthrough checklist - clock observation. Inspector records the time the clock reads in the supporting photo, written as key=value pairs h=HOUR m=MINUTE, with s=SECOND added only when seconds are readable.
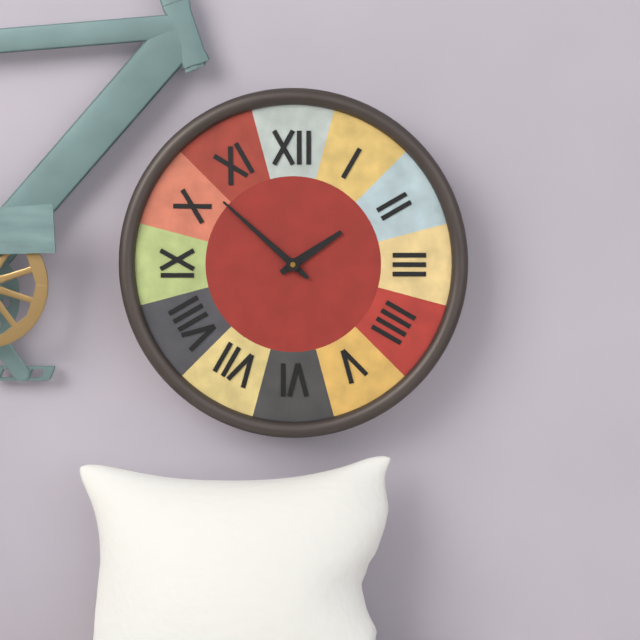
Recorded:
h=1 m=52
